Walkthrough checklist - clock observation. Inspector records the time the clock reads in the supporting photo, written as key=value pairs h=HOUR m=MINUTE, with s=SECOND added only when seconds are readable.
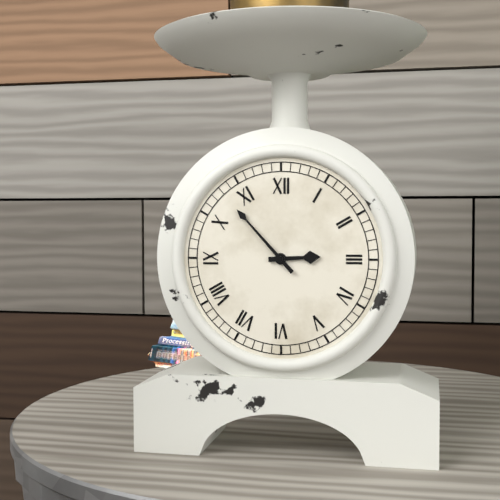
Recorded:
h=2 m=53
